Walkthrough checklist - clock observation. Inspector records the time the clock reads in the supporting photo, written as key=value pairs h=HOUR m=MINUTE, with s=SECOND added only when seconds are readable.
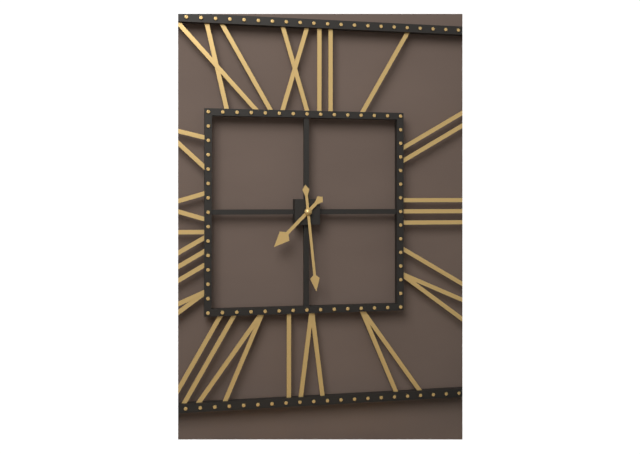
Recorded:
h=7 m=29
